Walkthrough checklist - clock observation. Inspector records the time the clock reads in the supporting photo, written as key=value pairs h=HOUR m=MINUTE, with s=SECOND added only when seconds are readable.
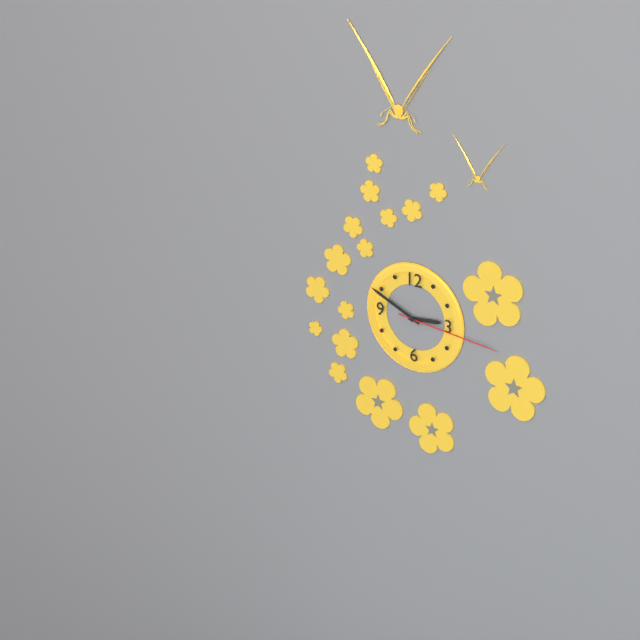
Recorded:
h=2 m=49 s=16
